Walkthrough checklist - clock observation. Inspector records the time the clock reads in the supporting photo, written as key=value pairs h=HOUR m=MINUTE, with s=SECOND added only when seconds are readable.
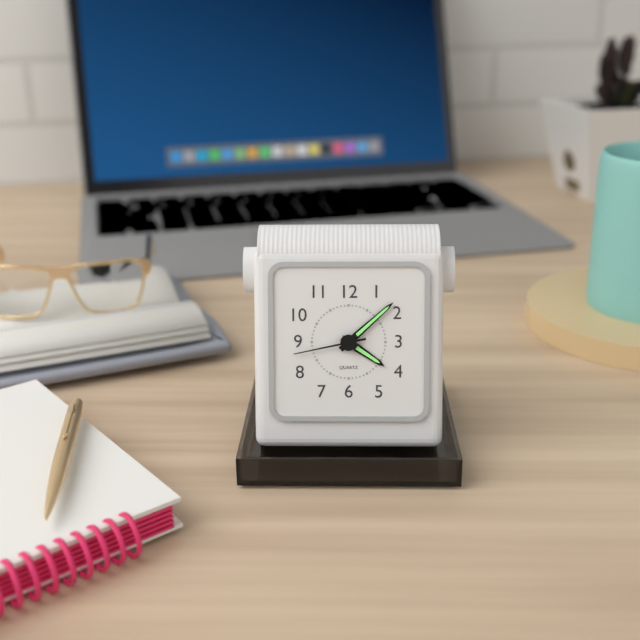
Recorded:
h=4 m=8 s=43
